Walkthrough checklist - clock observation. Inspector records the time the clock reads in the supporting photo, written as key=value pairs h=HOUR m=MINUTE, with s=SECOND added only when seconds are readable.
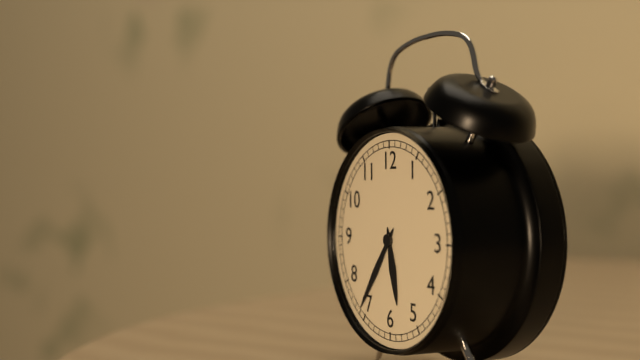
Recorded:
h=5 m=36
